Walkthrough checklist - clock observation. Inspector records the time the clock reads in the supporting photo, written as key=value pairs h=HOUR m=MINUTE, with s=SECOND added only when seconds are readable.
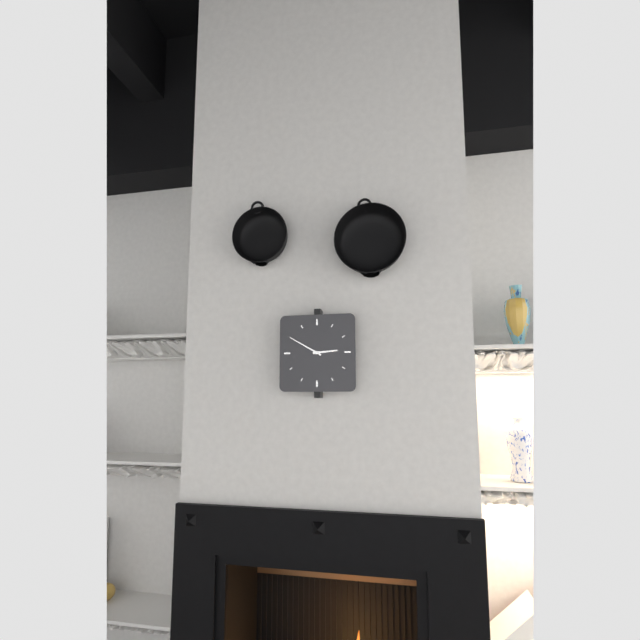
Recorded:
h=2 m=50
